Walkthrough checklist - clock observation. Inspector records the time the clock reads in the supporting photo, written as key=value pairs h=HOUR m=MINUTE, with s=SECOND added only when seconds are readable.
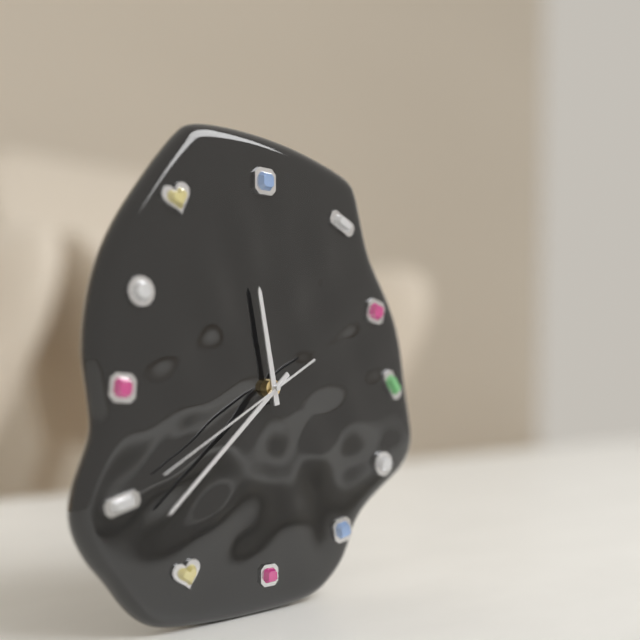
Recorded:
h=11 m=38 s=40
